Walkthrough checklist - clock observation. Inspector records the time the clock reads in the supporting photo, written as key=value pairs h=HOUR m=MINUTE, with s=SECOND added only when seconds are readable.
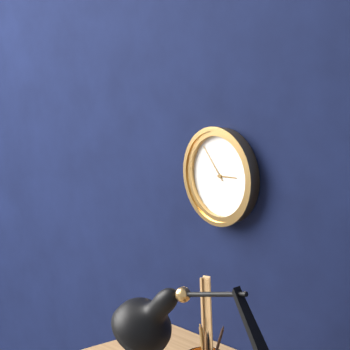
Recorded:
h=2 m=53
